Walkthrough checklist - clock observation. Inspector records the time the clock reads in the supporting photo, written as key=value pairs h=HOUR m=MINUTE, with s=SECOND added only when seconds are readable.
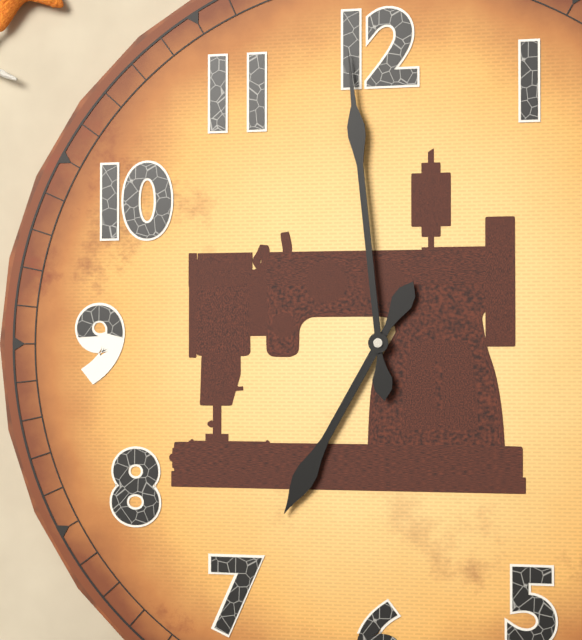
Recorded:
h=6 m=59
